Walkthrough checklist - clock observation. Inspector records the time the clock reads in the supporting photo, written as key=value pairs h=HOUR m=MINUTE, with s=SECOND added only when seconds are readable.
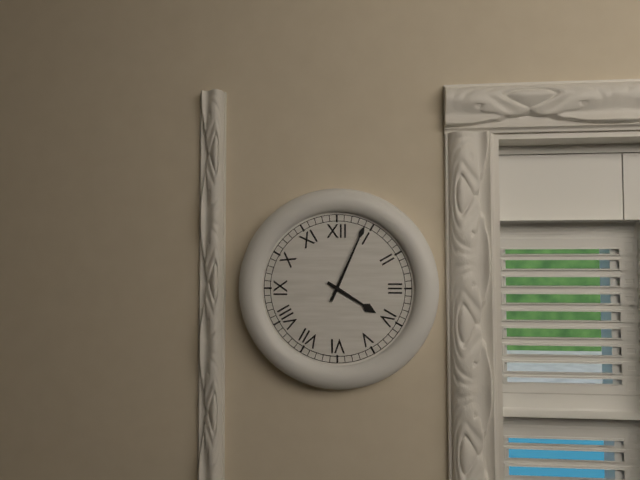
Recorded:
h=4 m=4
